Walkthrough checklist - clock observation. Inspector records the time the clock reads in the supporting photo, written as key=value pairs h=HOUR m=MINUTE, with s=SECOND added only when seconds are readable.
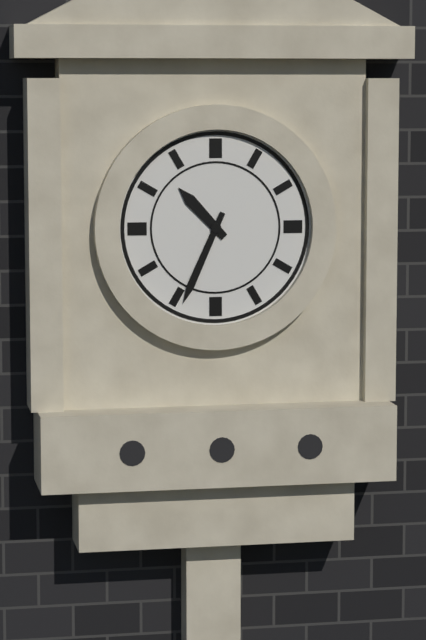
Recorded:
h=10 m=34
